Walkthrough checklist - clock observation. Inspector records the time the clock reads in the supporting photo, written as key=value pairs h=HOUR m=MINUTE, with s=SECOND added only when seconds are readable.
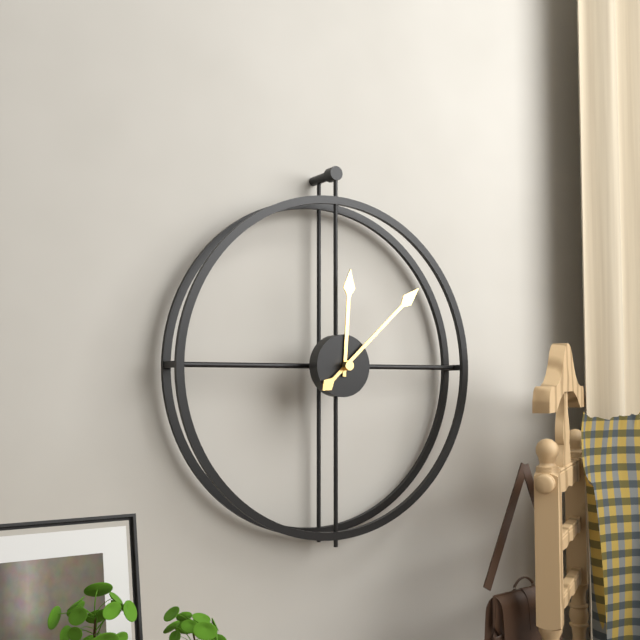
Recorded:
h=12 m=8
